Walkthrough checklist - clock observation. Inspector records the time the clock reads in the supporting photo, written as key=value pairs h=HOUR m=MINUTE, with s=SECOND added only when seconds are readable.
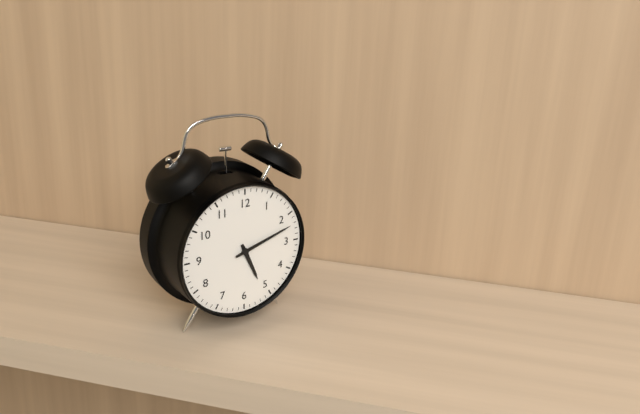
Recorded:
h=5 m=12
